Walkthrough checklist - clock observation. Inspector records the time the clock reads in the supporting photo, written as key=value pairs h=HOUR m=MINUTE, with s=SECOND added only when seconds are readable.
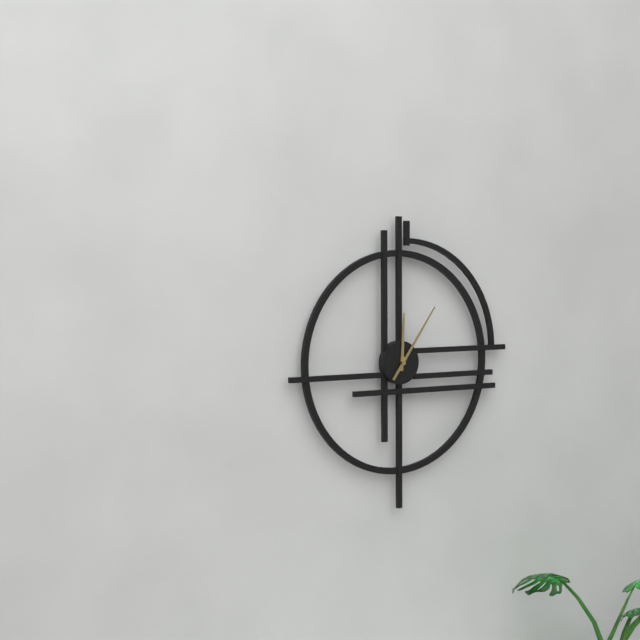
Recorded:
h=12 m=6
